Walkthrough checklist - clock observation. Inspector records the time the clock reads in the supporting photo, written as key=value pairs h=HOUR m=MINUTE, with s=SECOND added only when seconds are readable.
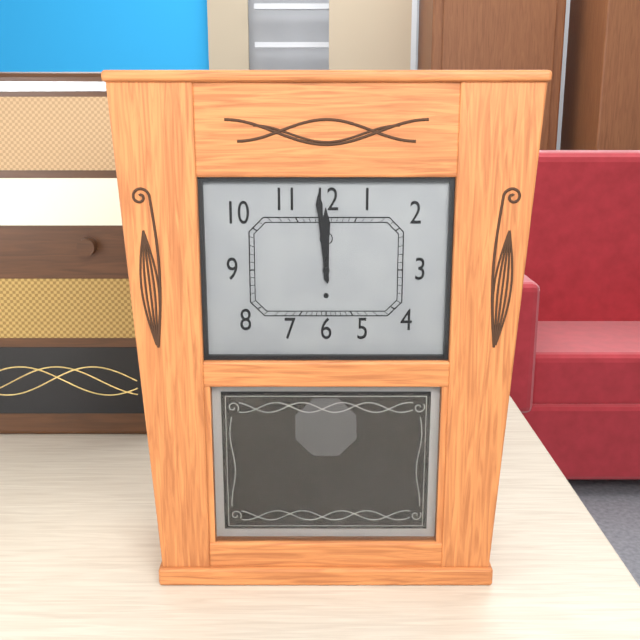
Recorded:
h=11 m=59
